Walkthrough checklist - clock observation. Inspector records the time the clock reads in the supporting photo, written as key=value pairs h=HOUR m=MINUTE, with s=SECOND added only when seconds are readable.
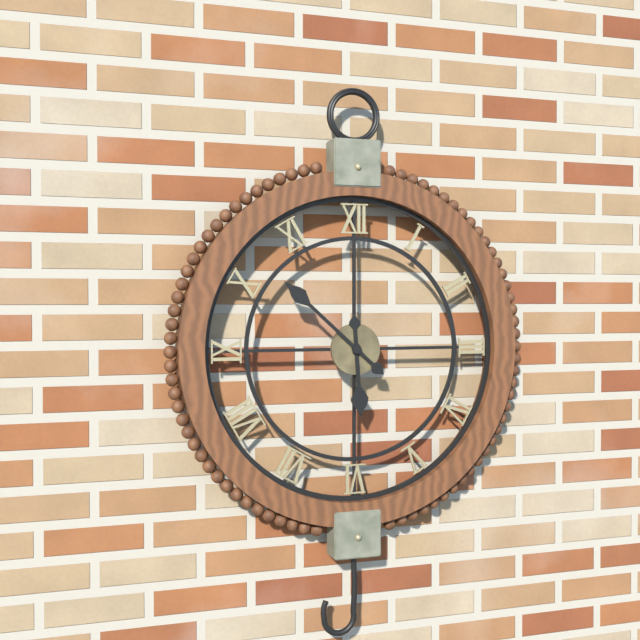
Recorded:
h=5 m=52
